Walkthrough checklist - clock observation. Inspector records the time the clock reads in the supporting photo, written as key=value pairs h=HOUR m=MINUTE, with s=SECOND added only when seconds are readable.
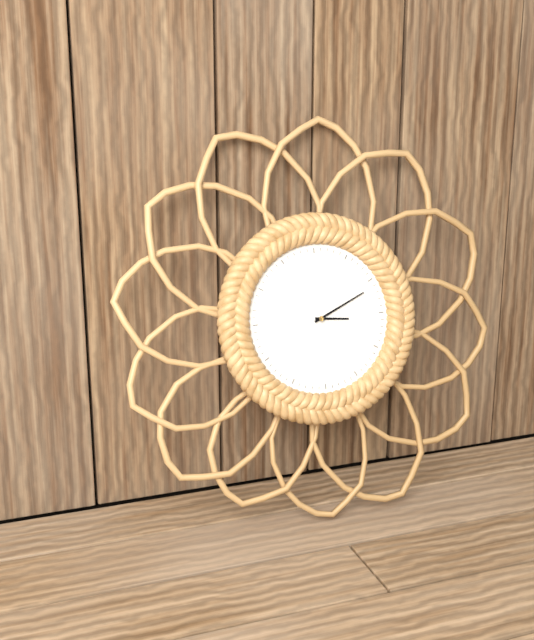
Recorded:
h=3 m=11
